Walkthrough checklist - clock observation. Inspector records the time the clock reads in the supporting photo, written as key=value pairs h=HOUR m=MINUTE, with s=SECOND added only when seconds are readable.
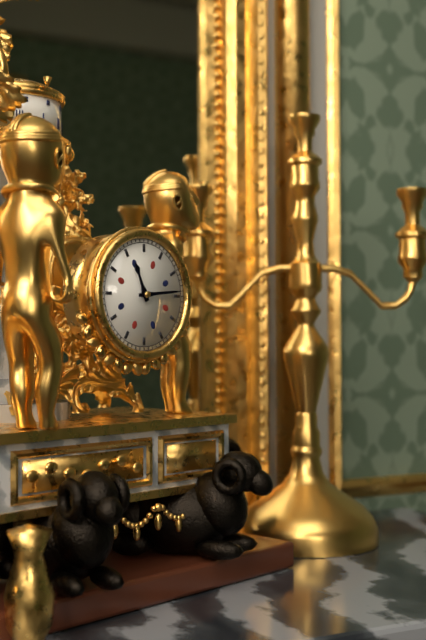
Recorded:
h=11 m=14
